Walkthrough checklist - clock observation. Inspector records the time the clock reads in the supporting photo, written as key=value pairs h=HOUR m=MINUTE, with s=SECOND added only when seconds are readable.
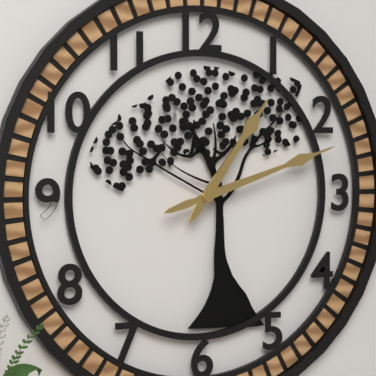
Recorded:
h=1 m=12
